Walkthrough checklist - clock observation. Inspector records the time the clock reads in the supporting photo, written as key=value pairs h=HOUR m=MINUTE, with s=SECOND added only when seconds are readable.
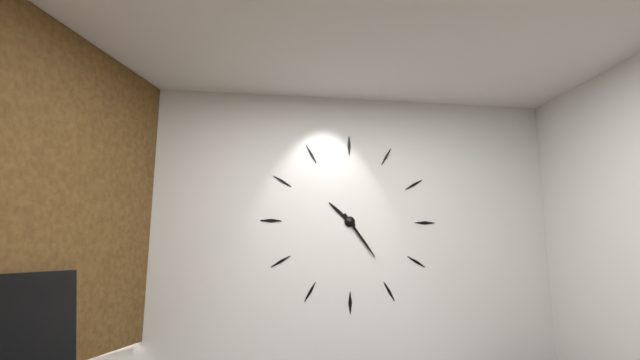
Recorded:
h=10 m=24
